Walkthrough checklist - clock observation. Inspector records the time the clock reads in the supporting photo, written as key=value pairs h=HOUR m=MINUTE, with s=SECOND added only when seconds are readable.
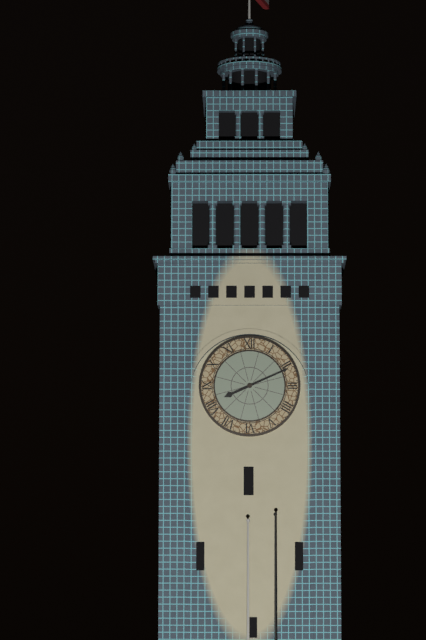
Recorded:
h=8 m=11
